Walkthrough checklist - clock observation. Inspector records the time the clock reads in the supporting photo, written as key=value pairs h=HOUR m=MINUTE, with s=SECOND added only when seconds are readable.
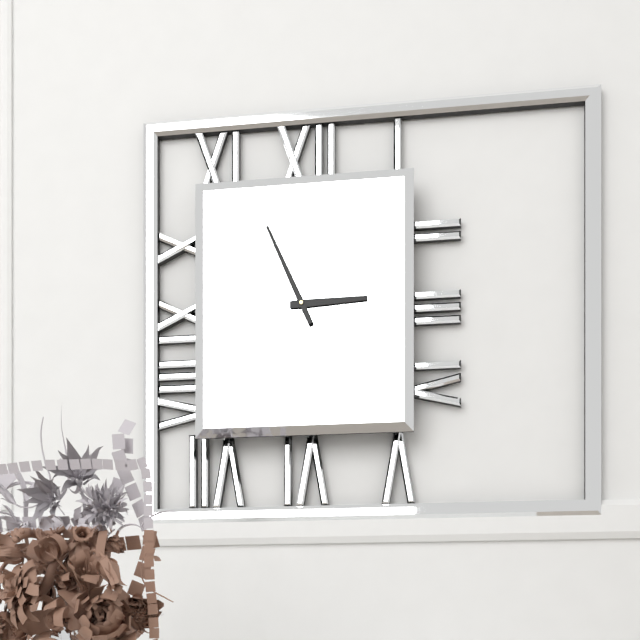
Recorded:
h=2 m=56
